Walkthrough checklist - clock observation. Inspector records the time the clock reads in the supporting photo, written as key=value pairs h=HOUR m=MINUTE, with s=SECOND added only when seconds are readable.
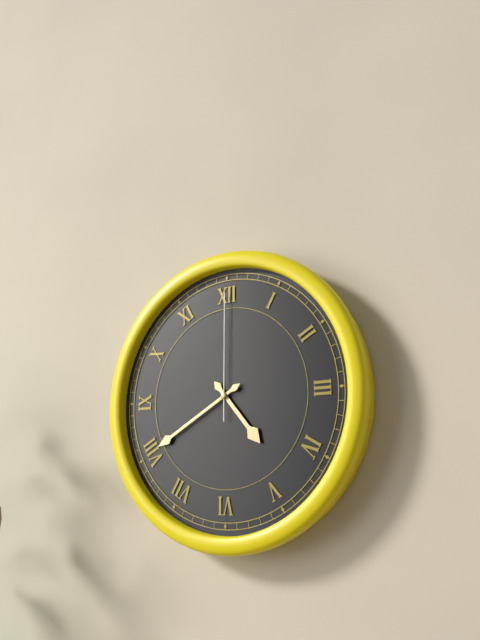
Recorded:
h=4 m=40 s=0
